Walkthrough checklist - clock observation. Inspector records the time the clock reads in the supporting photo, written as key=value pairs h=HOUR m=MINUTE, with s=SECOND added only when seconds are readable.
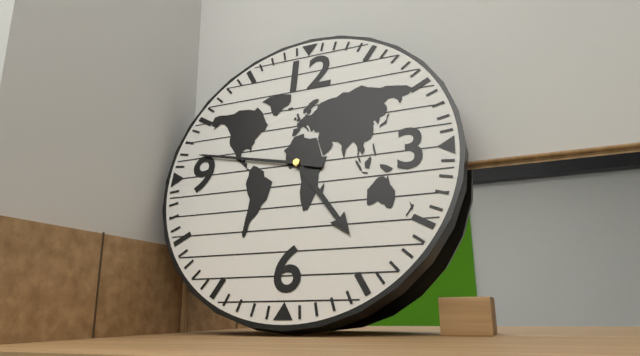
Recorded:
h=4 m=47
